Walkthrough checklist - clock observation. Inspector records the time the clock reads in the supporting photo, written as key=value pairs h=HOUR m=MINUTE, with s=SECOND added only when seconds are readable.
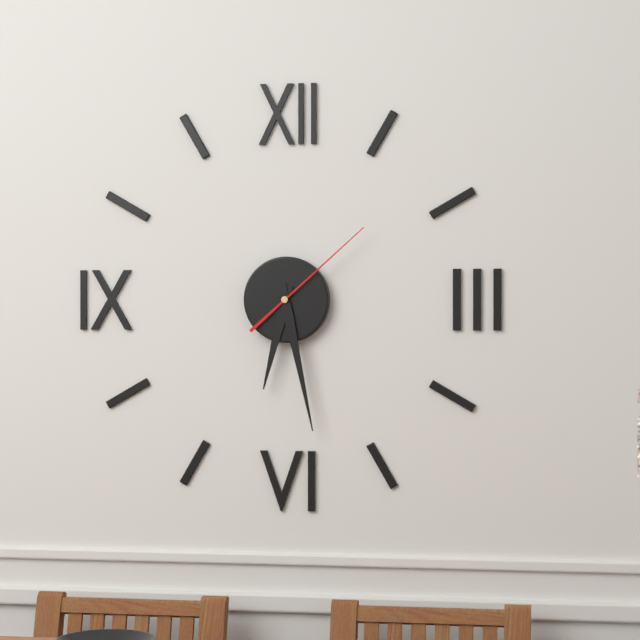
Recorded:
h=6 m=28 s=8
